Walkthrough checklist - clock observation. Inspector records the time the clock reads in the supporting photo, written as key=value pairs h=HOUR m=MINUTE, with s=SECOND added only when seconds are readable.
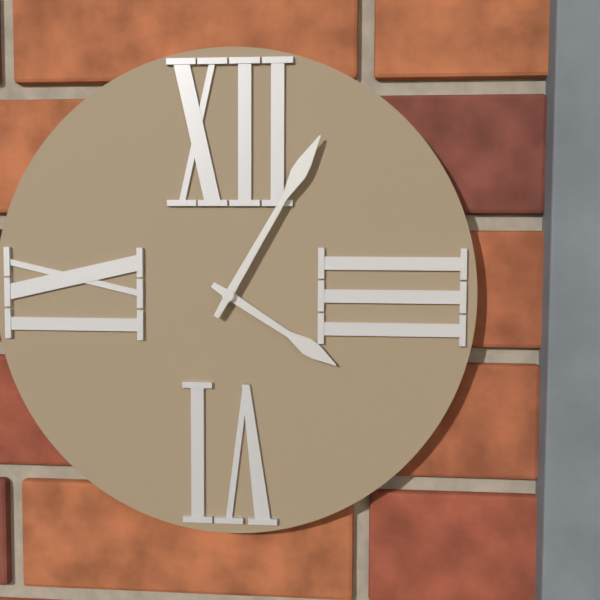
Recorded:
h=4 m=5
